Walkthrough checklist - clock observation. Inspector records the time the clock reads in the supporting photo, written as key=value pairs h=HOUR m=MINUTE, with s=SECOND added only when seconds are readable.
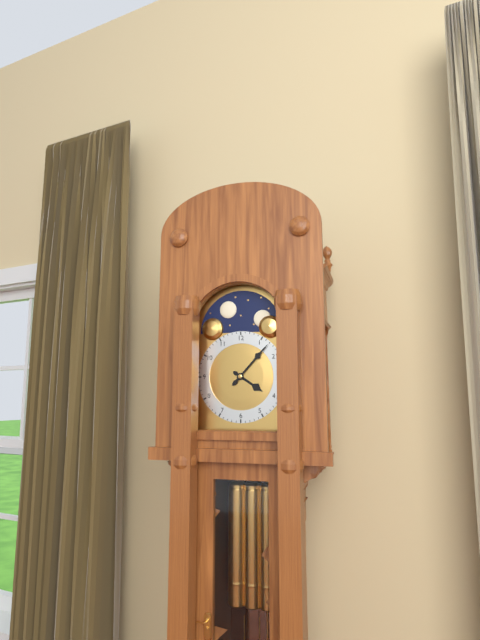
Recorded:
h=4 m=7
